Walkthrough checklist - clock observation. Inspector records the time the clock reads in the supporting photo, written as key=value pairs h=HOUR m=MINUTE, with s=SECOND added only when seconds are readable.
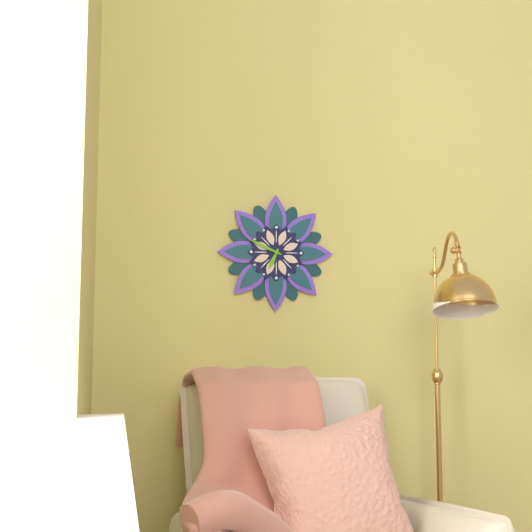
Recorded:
h=6 m=49
